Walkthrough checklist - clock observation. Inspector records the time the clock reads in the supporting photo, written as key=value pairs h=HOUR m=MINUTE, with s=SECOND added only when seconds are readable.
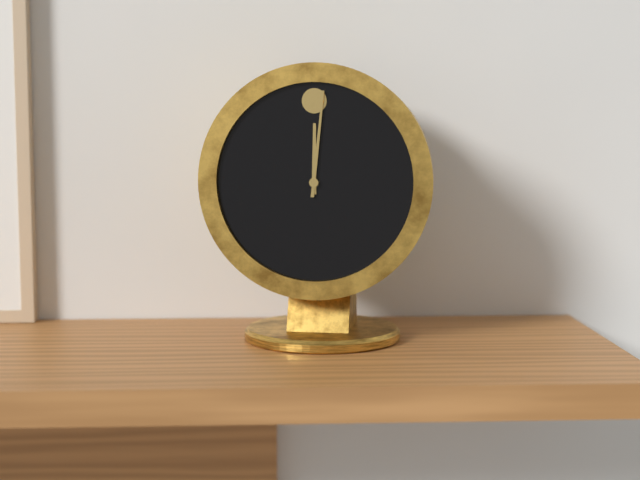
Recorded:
h=12 m=1
